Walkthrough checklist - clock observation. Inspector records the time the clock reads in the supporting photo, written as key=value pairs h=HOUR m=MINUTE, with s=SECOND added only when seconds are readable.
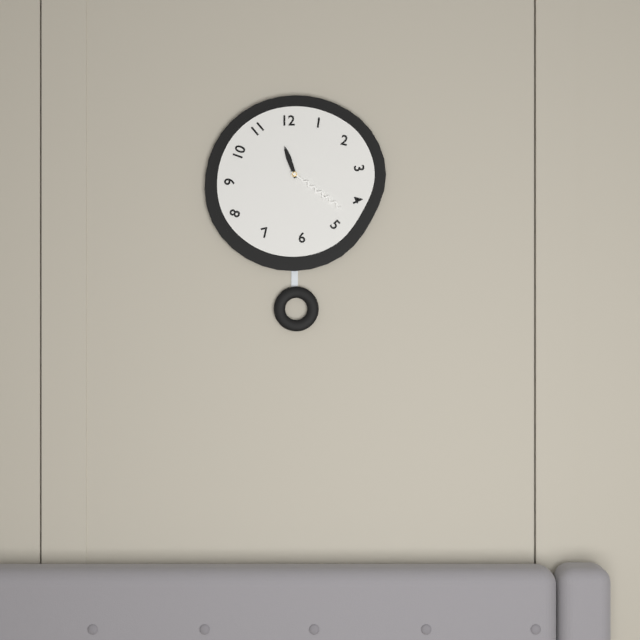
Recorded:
h=11 m=21
